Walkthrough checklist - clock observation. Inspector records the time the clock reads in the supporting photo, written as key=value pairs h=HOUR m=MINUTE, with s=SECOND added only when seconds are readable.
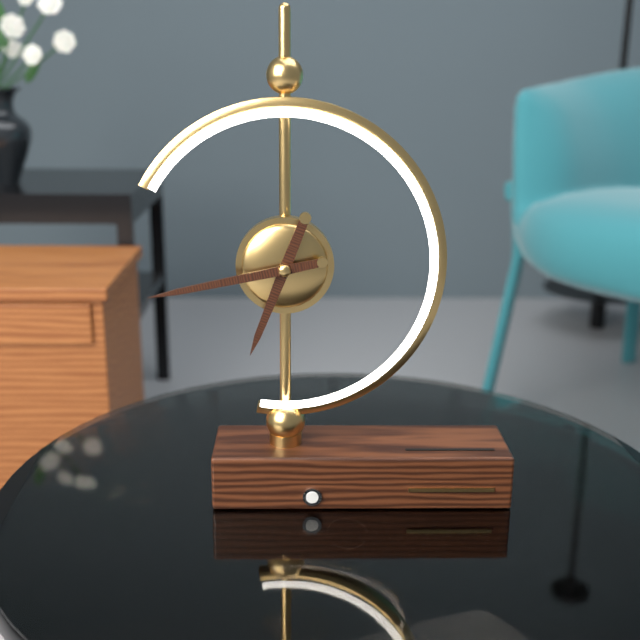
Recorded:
h=6 m=43
